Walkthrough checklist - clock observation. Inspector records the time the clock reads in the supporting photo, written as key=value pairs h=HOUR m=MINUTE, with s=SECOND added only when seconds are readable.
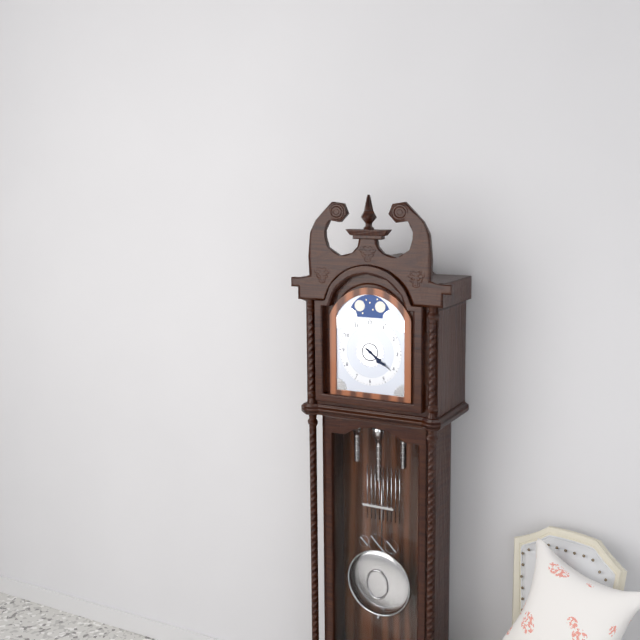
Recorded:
h=4 m=21
